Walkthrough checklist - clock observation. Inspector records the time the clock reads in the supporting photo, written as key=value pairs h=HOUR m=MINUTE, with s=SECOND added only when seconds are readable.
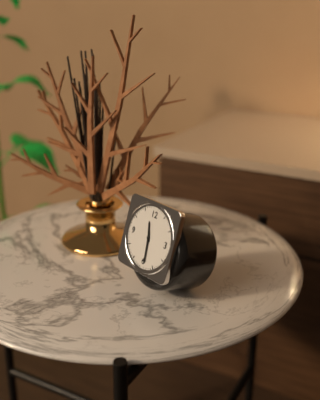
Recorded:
h=11 m=29
